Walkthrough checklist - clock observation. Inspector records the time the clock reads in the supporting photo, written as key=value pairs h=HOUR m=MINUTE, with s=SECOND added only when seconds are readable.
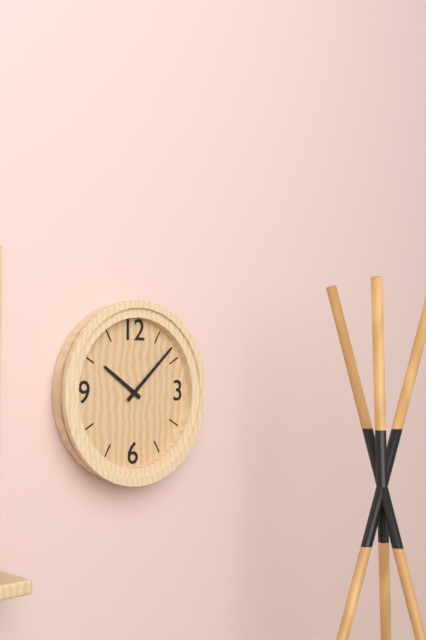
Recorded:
h=10 m=8
